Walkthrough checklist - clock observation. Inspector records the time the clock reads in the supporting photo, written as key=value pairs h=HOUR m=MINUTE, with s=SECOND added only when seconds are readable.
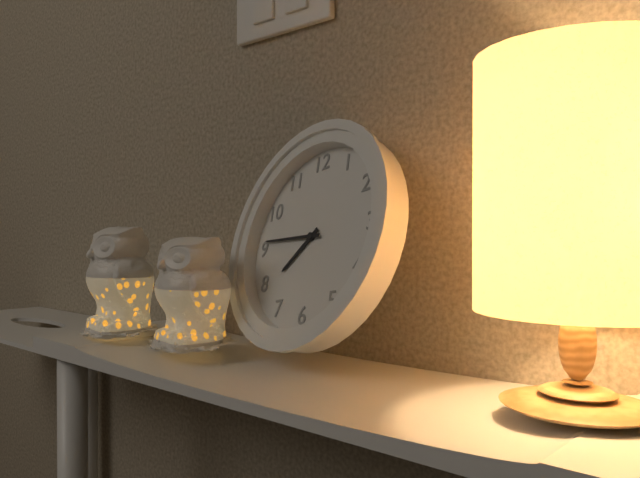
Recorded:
h=7 m=46
